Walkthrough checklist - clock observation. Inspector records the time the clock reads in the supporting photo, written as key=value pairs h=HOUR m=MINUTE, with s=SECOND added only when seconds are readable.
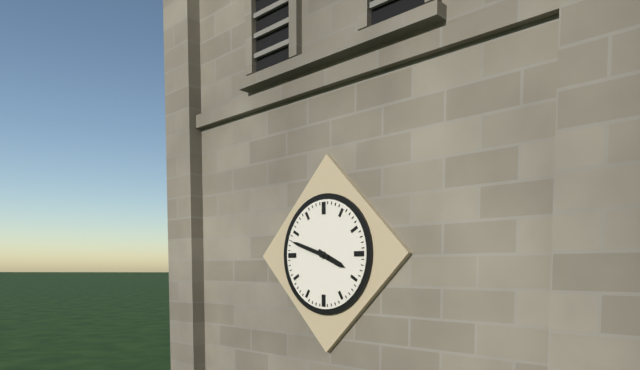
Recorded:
h=3 m=48
